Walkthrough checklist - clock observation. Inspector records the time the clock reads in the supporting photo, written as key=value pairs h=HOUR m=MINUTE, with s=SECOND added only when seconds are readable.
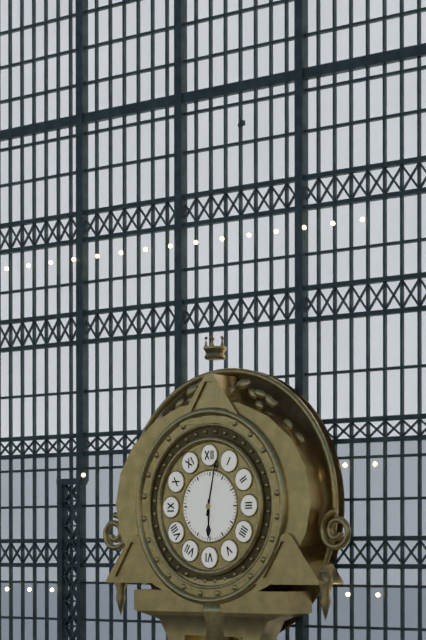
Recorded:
h=6 m=2
